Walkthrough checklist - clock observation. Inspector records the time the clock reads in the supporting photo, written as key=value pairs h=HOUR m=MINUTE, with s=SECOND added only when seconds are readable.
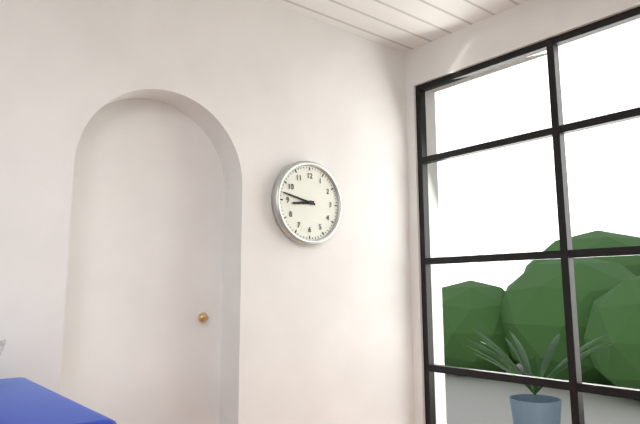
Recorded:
h=8 m=47
